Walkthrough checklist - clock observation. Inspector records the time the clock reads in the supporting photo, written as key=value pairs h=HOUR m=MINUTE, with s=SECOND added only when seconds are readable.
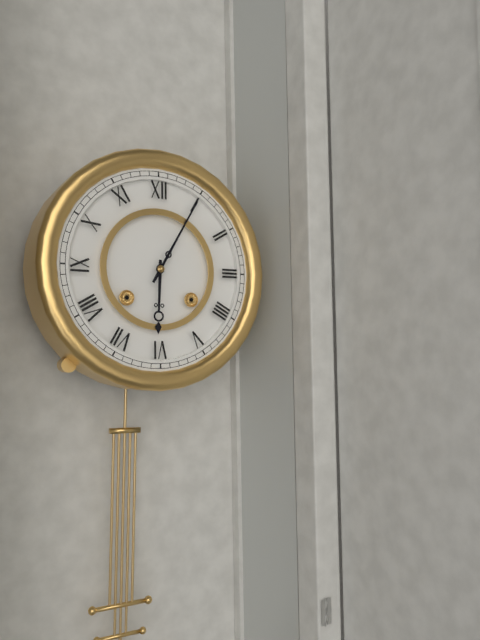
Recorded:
h=6 m=5
